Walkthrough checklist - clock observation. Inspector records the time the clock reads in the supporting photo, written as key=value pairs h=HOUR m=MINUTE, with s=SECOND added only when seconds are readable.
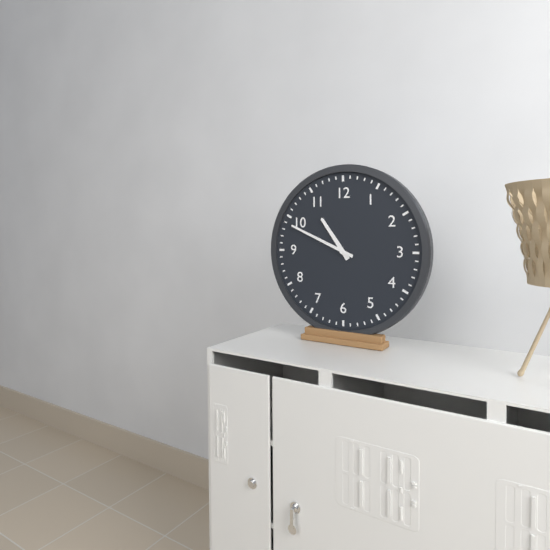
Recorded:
h=10 m=49
